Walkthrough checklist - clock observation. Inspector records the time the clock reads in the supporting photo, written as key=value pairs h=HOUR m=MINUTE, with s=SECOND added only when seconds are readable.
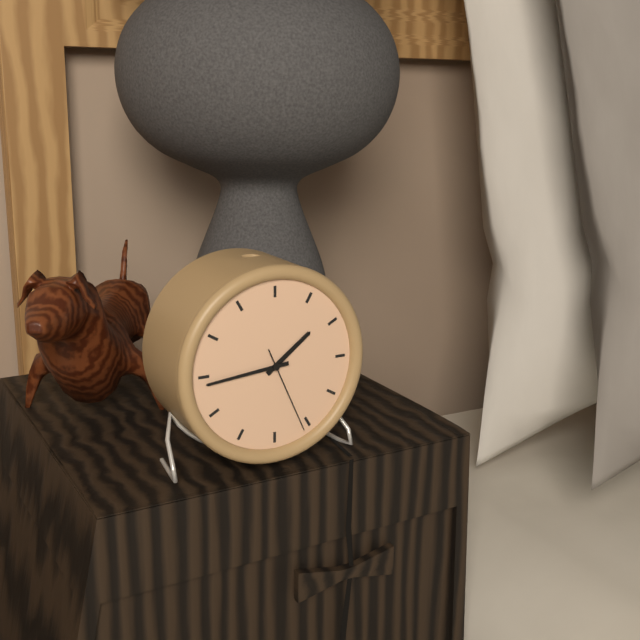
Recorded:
h=1 m=44 s=26
